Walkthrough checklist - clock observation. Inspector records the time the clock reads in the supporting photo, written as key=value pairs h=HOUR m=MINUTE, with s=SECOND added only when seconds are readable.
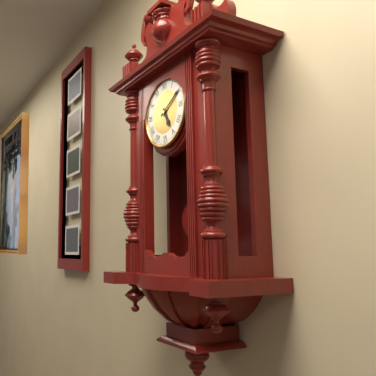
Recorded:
h=5 m=10
